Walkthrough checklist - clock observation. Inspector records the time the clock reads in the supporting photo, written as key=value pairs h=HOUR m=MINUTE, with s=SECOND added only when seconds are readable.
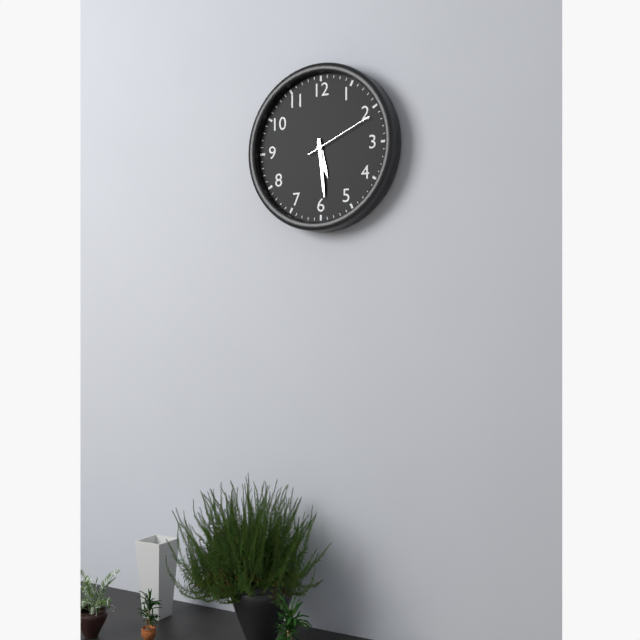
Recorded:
h=5 m=29 s=11
